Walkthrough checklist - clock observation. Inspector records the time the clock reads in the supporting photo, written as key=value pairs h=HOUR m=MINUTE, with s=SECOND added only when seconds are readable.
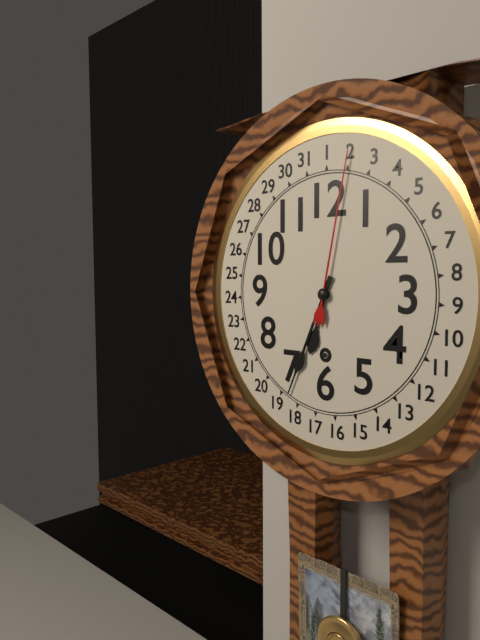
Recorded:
h=6 m=34
